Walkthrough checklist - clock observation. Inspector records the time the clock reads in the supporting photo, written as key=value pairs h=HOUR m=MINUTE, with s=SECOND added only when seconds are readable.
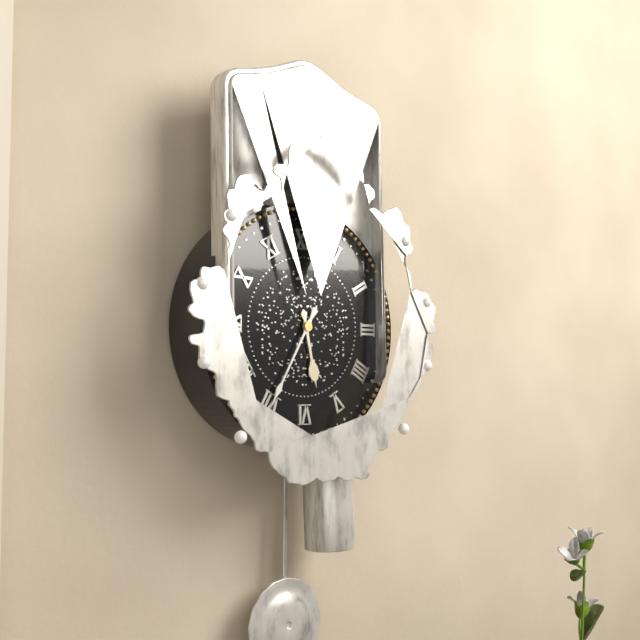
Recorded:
h=5 m=35
